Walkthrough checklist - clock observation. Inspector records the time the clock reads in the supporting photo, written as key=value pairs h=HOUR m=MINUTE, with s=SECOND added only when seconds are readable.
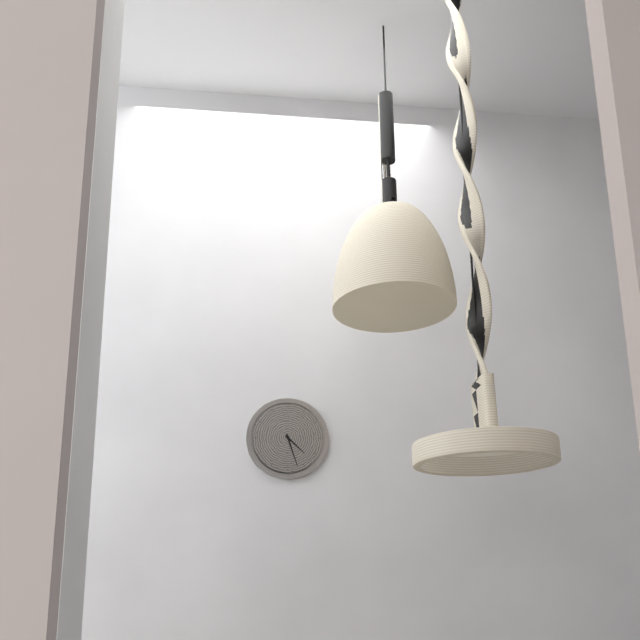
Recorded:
h=4 m=27
